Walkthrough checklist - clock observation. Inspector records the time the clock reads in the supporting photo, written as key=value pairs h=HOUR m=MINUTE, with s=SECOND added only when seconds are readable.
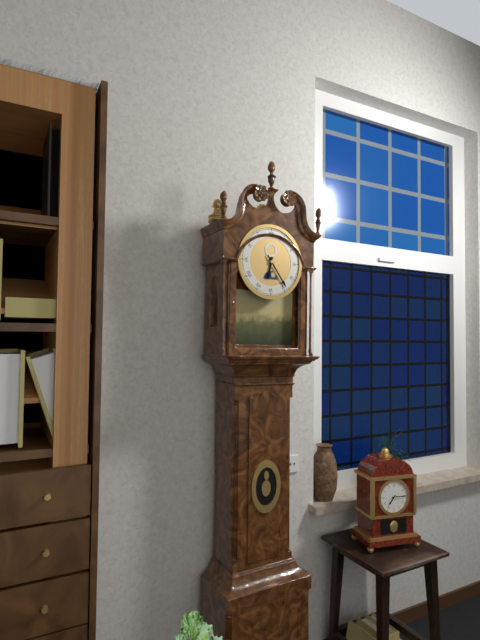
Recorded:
h=6 m=24
